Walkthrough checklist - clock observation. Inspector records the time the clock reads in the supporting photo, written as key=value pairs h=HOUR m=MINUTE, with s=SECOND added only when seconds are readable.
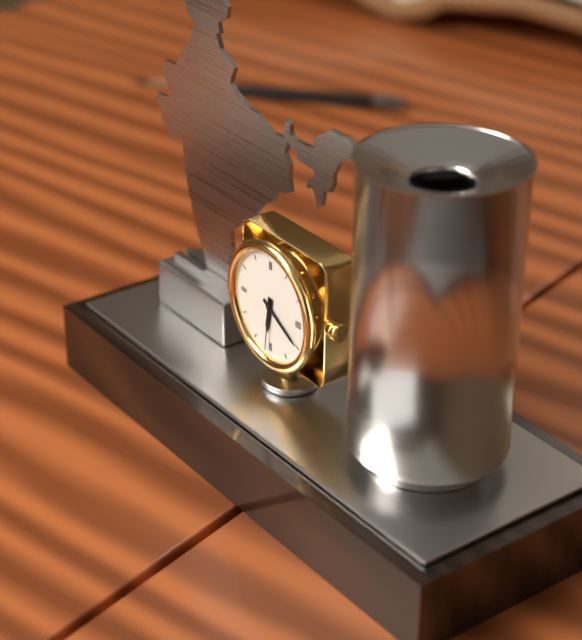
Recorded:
h=6 m=20 s=31
